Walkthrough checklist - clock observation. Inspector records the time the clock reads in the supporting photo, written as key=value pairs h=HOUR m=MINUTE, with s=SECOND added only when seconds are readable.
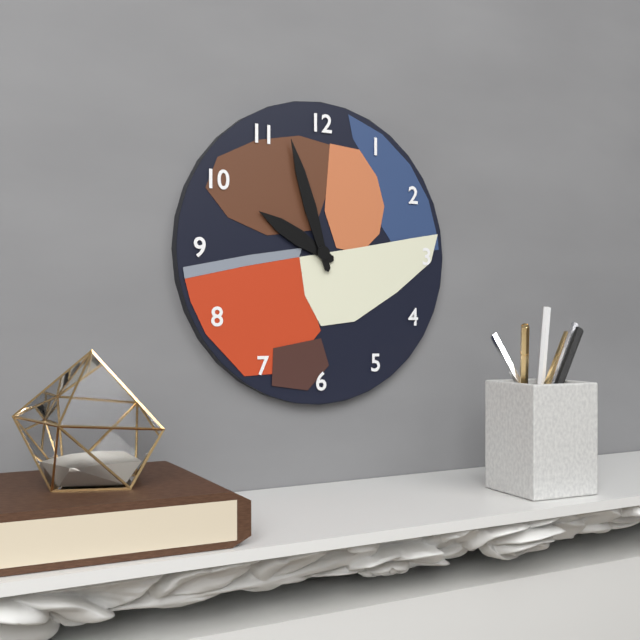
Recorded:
h=9 m=57
